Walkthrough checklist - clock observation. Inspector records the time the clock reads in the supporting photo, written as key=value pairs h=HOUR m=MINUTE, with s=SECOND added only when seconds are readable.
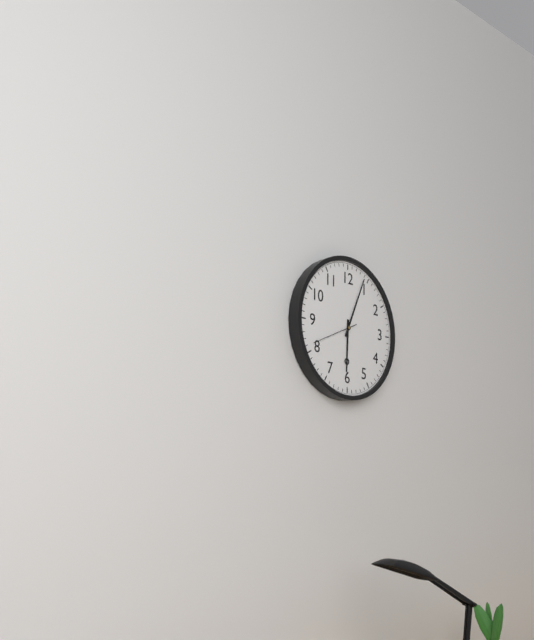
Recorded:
h=6 m=4
